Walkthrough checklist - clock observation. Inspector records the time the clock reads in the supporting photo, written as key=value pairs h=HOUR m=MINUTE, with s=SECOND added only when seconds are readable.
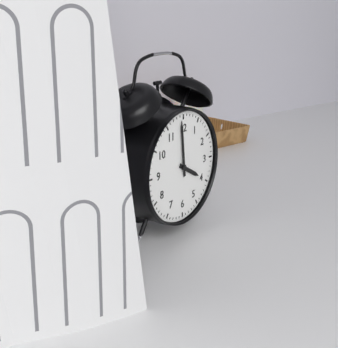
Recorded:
h=3 m=59
